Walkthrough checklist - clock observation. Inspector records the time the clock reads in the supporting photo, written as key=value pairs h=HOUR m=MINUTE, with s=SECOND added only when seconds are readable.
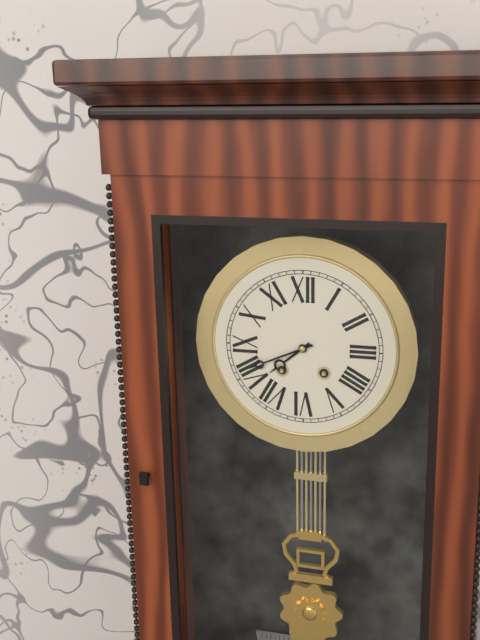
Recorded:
h=7 m=41
